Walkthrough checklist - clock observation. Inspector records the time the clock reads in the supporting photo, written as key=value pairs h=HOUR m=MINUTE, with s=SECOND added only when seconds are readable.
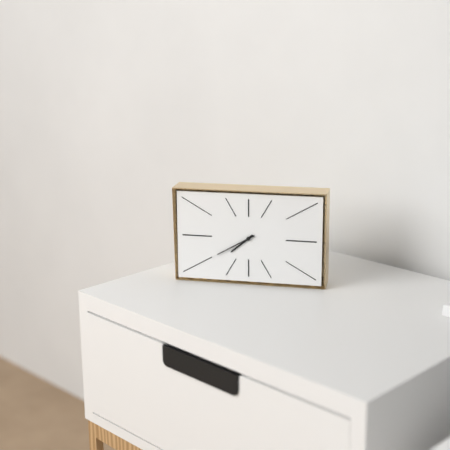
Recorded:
h=7 m=40
